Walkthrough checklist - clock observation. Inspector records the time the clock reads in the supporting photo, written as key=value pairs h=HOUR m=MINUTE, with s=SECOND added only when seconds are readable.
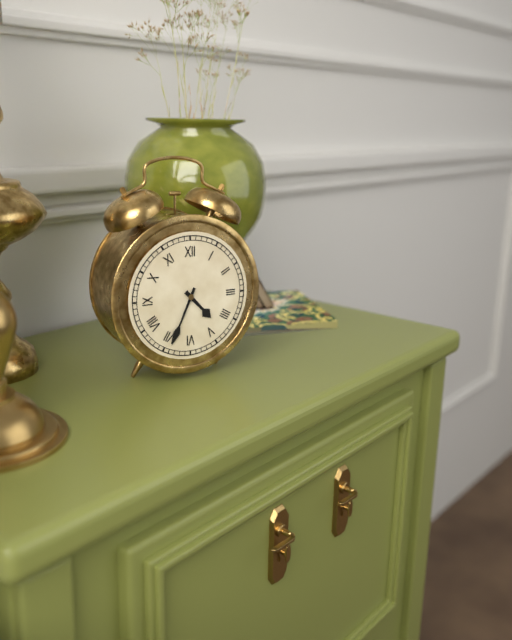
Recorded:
h=4 m=34
